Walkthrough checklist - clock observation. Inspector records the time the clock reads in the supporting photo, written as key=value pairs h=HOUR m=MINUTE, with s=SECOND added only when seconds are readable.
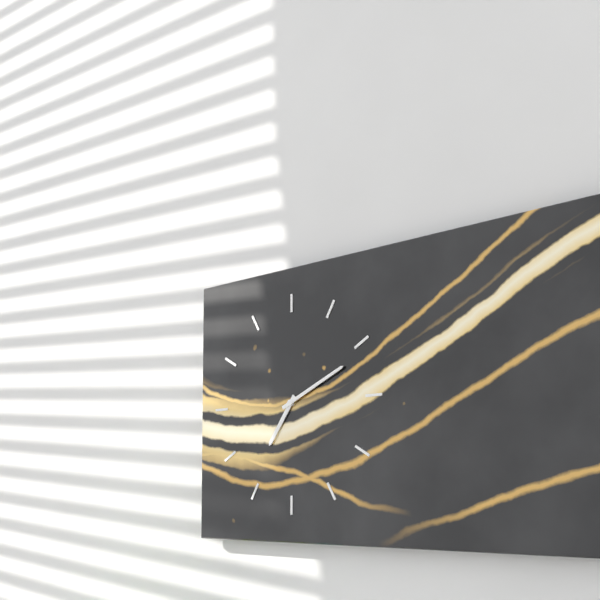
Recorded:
h=7 m=11
